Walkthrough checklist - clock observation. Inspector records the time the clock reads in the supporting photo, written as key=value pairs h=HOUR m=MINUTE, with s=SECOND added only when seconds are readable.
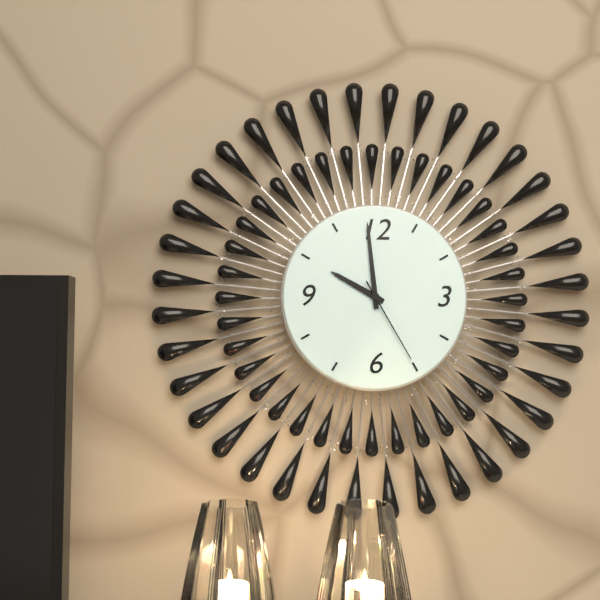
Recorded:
h=9 m=59 s=25
